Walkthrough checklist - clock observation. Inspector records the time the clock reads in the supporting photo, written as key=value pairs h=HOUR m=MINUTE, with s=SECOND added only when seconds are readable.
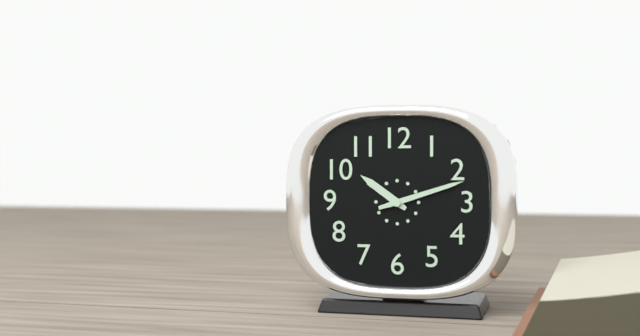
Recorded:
h=10 m=12
